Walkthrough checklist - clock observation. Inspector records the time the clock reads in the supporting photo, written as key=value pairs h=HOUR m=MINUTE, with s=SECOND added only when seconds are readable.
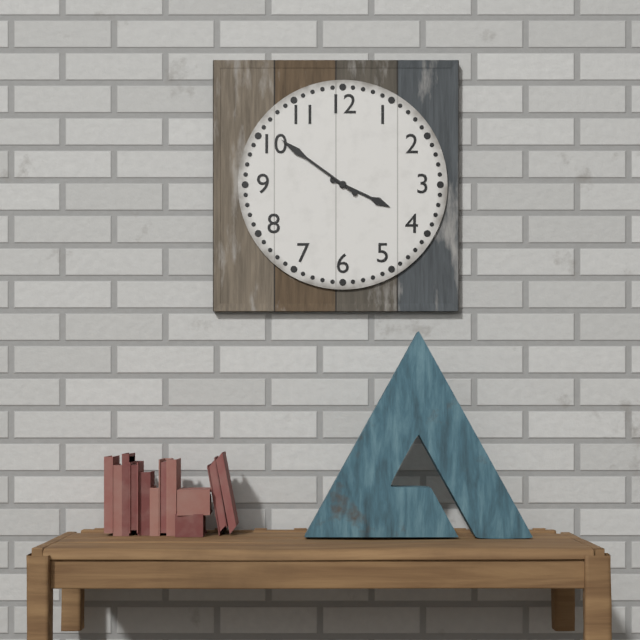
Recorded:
h=3 m=51
